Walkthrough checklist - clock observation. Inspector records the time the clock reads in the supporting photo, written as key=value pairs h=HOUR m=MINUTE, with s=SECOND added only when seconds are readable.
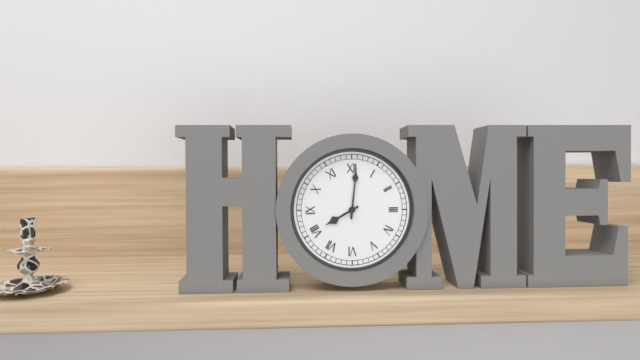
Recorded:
h=8 m=1
